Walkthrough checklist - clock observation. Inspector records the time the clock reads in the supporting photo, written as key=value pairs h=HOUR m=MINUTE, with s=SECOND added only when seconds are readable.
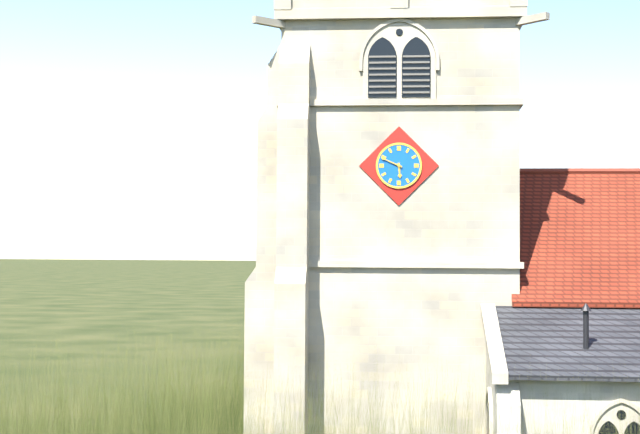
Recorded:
h=5 m=49
